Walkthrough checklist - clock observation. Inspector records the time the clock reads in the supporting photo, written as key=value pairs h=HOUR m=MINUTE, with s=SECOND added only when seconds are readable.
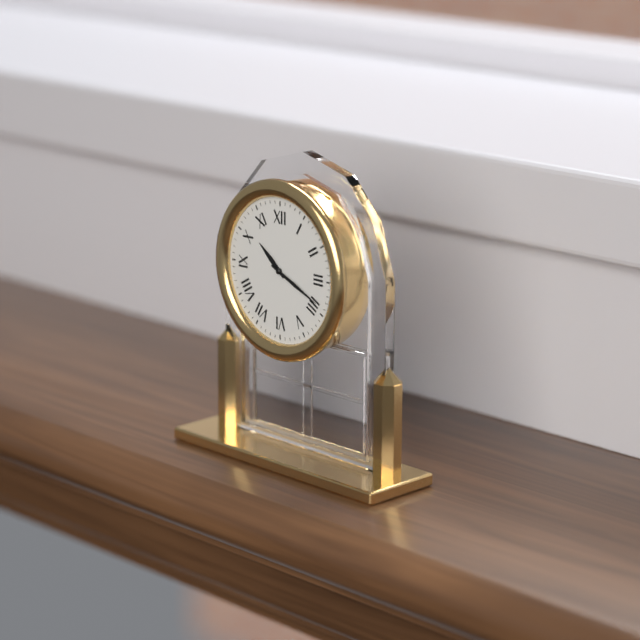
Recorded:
h=10 m=19
